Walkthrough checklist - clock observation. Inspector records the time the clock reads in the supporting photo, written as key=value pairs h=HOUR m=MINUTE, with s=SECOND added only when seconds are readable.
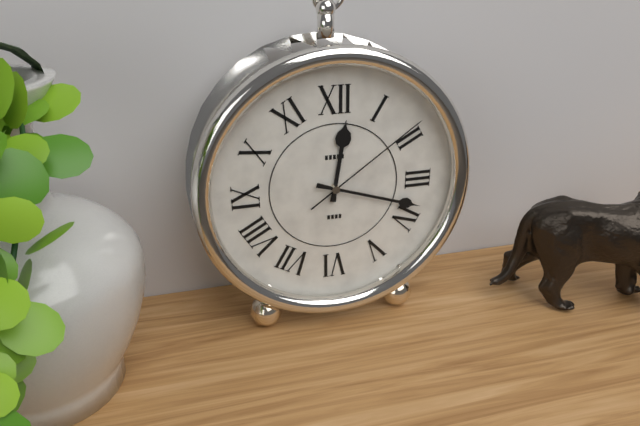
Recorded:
h=12 m=18 s=9
